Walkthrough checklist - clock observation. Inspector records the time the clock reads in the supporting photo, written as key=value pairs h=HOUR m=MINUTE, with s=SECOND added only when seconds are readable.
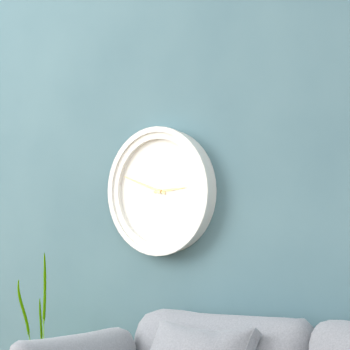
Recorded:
h=2 m=48
